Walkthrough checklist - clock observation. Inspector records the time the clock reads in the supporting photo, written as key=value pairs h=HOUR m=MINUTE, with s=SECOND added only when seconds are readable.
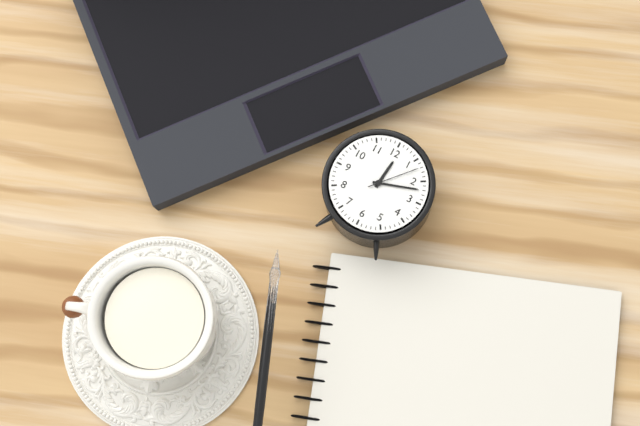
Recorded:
h=12 m=12 s=7
